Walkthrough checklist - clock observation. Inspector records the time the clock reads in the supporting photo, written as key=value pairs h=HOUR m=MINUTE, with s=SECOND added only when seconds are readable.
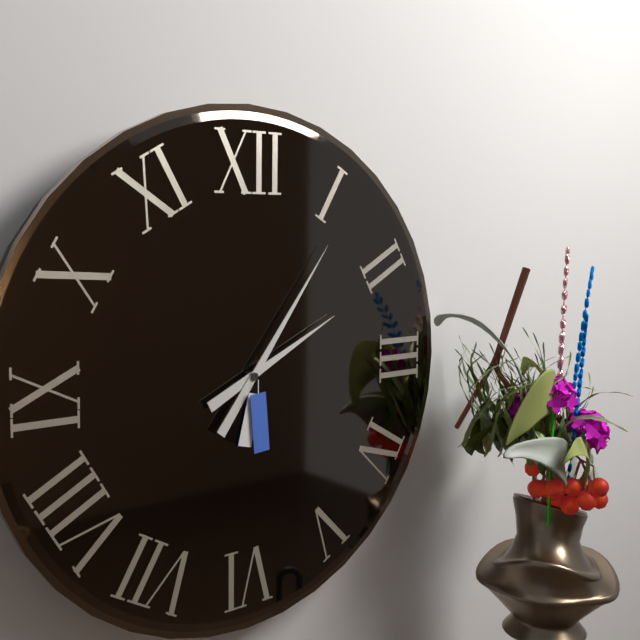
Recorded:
h=2 m=6
